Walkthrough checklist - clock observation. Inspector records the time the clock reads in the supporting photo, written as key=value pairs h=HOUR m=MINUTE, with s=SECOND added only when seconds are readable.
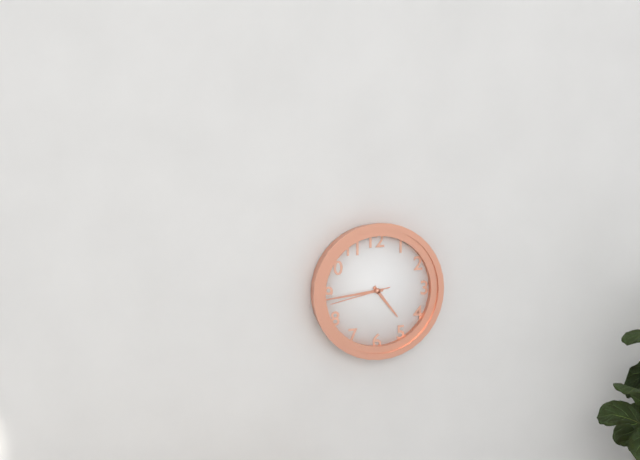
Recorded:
h=4 m=44 s=43
